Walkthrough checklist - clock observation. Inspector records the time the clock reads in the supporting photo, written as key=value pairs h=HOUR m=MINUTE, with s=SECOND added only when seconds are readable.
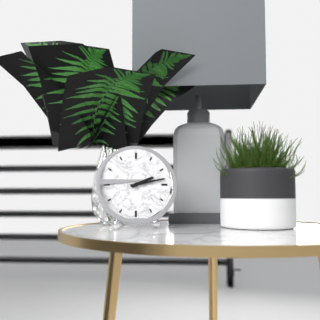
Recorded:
h=2 m=13
